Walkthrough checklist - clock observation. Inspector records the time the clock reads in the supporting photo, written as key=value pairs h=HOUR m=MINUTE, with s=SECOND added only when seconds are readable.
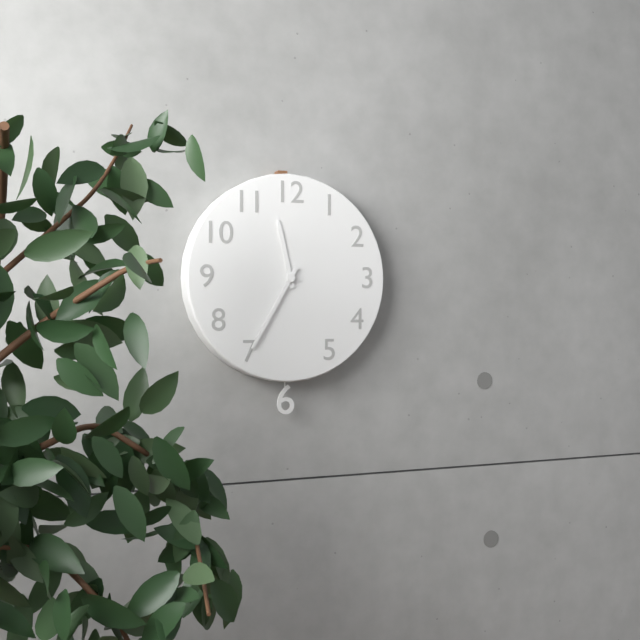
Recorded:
h=11 m=35
